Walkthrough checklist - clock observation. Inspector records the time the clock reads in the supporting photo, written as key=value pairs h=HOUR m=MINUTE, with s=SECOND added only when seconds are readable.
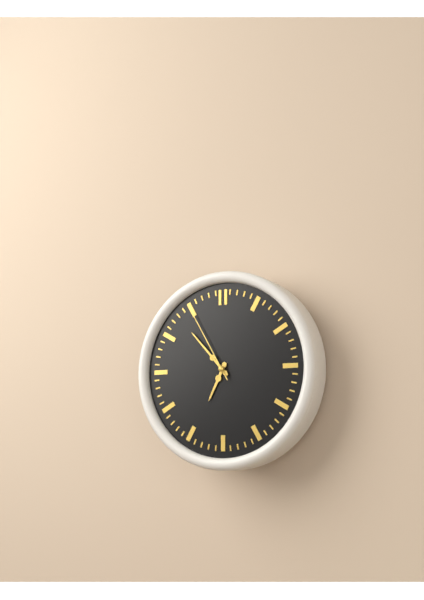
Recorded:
h=6 m=53 s=55
